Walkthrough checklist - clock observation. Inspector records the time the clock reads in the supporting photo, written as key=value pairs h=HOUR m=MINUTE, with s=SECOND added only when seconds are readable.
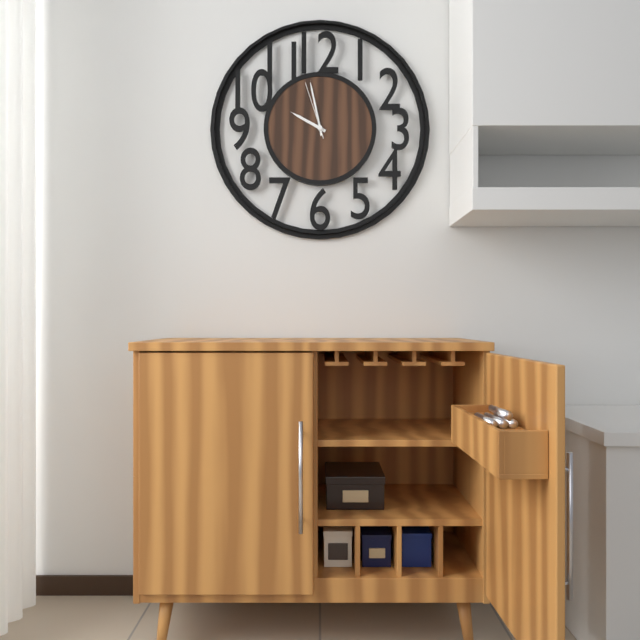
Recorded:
h=9 m=58 s=57
